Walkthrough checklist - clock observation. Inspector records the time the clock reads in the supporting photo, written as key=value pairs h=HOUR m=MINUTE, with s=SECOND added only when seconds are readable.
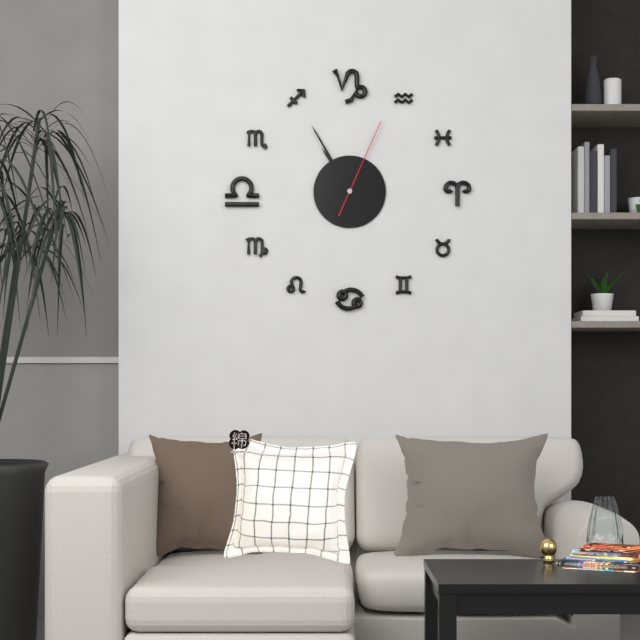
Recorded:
h=10 m=55 s=4
